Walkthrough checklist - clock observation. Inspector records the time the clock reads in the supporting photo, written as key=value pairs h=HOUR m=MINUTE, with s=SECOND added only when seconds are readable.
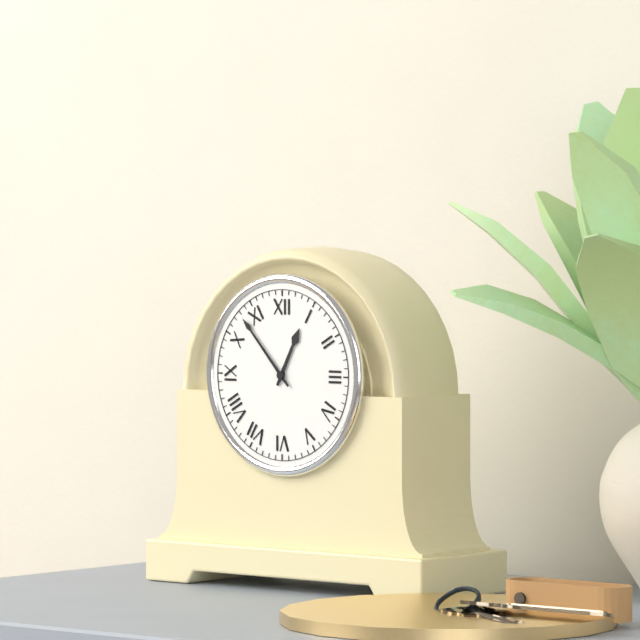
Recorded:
h=12 m=53
